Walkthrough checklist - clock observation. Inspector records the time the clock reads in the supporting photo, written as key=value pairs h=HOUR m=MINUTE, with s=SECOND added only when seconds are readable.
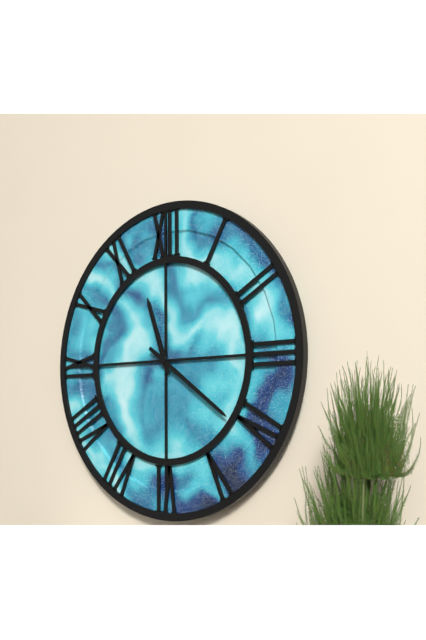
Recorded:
h=11 m=21
